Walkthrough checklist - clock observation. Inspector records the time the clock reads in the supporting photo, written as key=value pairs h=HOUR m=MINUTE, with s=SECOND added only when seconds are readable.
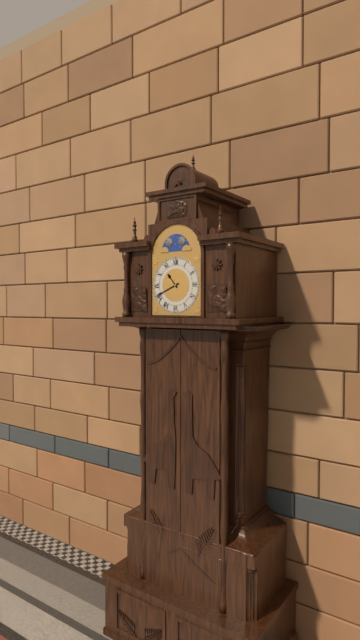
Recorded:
h=10 m=41
